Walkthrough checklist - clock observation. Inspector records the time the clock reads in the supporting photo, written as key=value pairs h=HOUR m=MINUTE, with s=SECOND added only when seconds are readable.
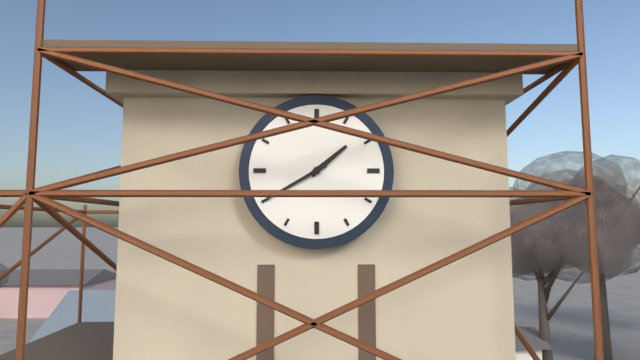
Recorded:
h=1 m=40
